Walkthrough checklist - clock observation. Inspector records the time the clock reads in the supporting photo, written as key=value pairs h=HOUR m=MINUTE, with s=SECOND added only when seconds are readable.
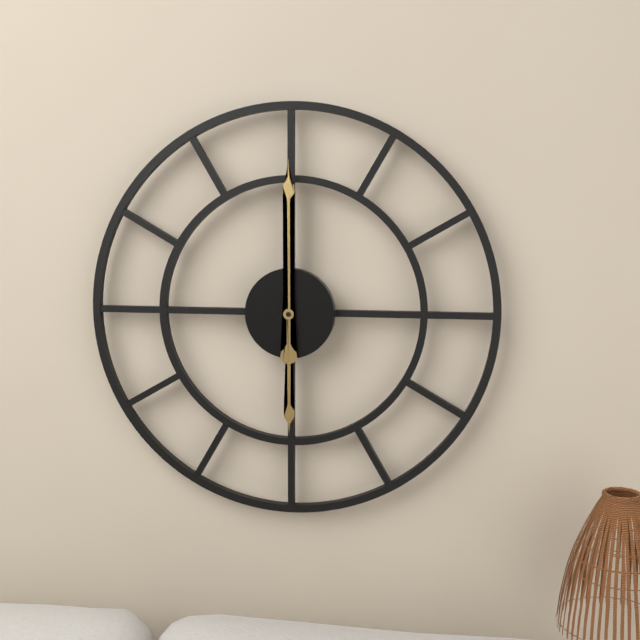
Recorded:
h=6 m=0
